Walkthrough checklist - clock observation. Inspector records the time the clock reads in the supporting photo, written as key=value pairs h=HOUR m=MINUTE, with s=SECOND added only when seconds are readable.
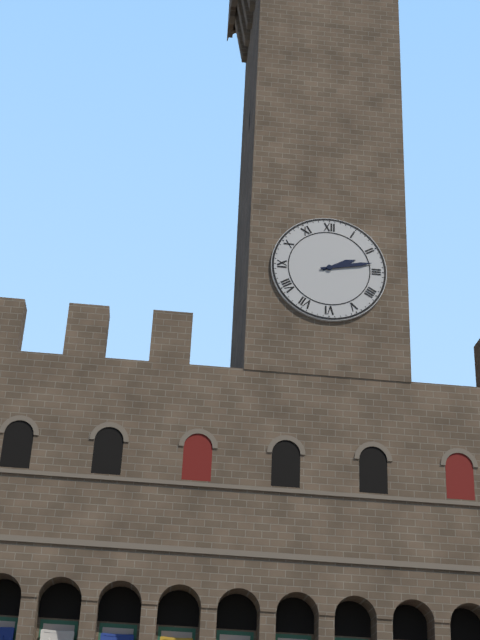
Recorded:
h=2 m=13
